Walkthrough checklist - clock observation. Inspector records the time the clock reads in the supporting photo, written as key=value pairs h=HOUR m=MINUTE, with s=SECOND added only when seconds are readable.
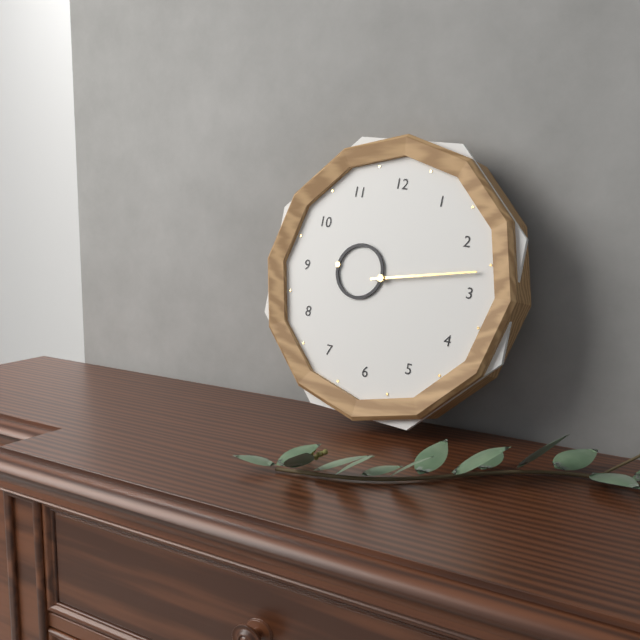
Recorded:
h=9 m=13
